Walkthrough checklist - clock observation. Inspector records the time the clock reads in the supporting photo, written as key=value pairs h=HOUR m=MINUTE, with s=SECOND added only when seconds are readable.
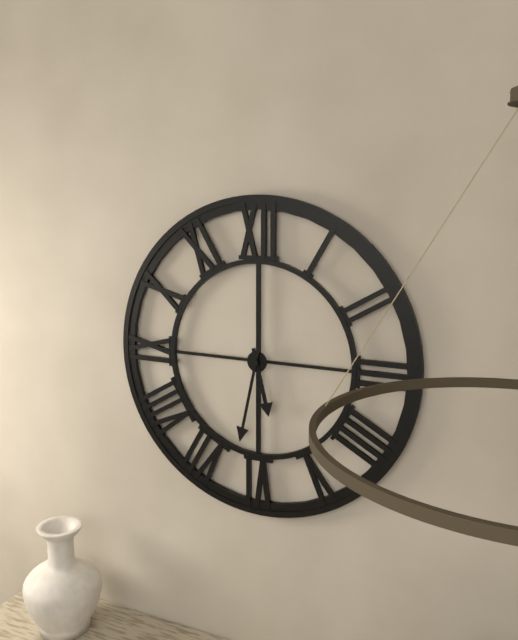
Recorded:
h=5 m=32
